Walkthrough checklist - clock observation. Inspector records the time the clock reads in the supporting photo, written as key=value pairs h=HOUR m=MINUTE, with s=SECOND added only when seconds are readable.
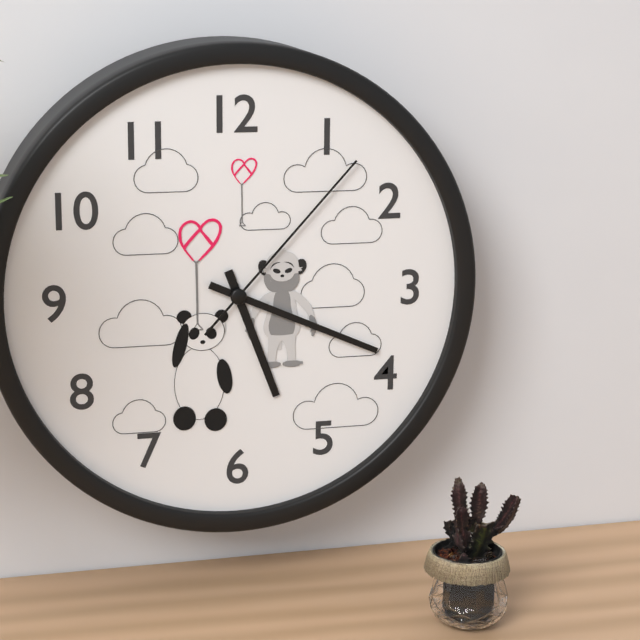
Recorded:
h=5 m=19 s=7
